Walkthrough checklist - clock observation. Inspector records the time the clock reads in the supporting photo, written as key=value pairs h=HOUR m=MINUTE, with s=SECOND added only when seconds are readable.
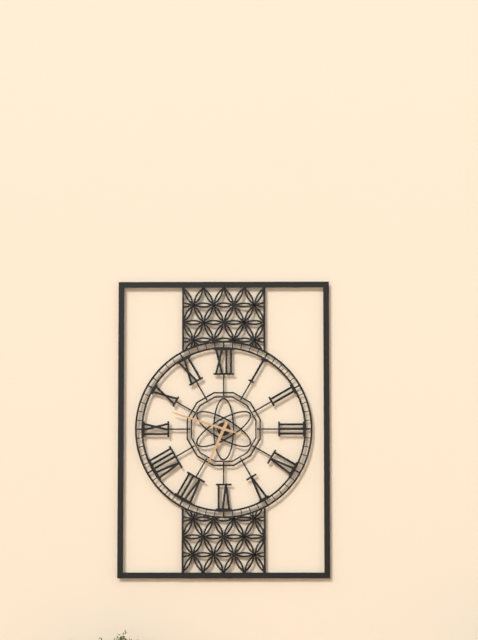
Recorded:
h=6 m=48 s=48
